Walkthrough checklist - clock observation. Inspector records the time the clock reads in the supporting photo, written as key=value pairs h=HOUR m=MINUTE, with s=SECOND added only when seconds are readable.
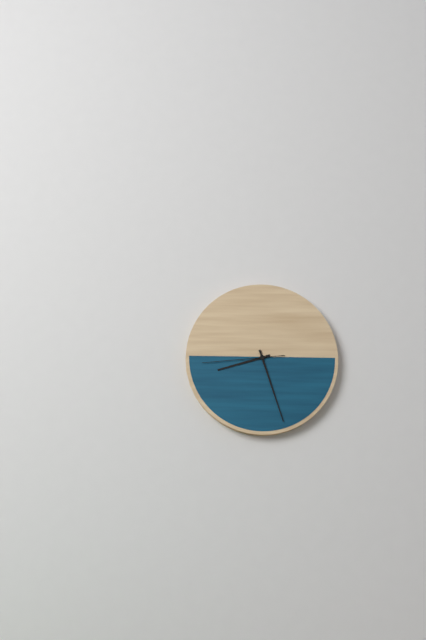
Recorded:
h=8 m=27 s=44
